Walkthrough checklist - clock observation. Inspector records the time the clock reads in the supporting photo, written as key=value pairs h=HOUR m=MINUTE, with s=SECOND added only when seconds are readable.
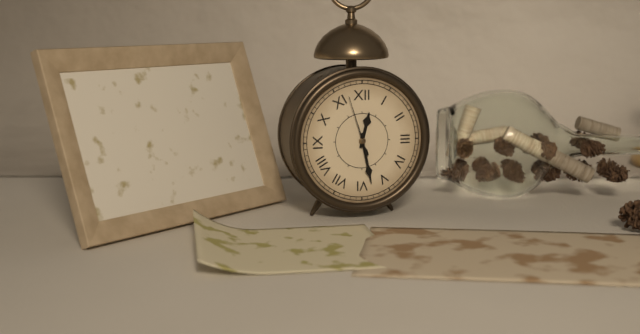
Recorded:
h=12 m=28 s=57
